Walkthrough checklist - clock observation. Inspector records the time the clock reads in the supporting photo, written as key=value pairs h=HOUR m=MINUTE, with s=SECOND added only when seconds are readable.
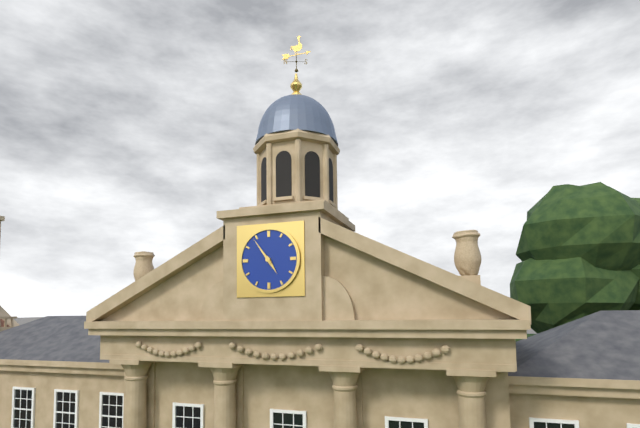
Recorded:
h=4 m=54
